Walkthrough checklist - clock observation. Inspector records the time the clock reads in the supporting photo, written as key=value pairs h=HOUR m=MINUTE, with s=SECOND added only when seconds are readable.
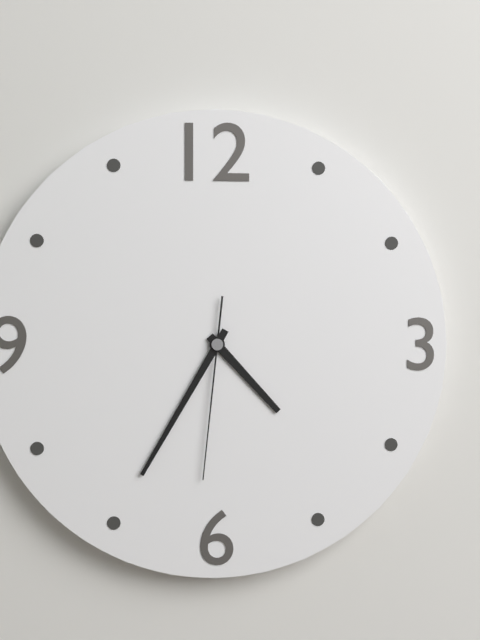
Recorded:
h=4 m=35 s=31
